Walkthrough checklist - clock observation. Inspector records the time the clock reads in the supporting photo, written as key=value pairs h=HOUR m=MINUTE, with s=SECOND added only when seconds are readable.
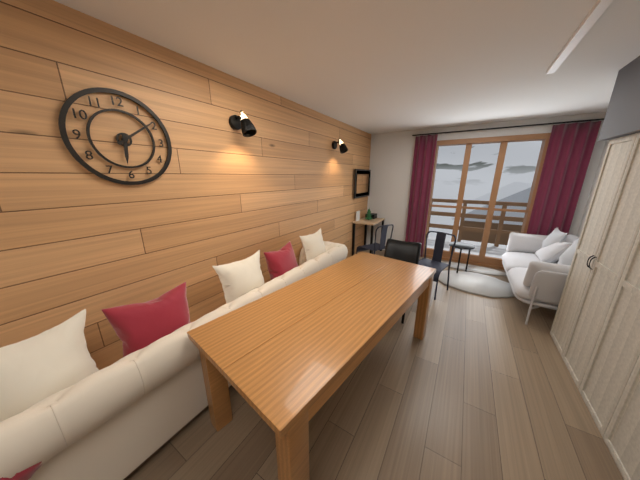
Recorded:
h=6 m=9
